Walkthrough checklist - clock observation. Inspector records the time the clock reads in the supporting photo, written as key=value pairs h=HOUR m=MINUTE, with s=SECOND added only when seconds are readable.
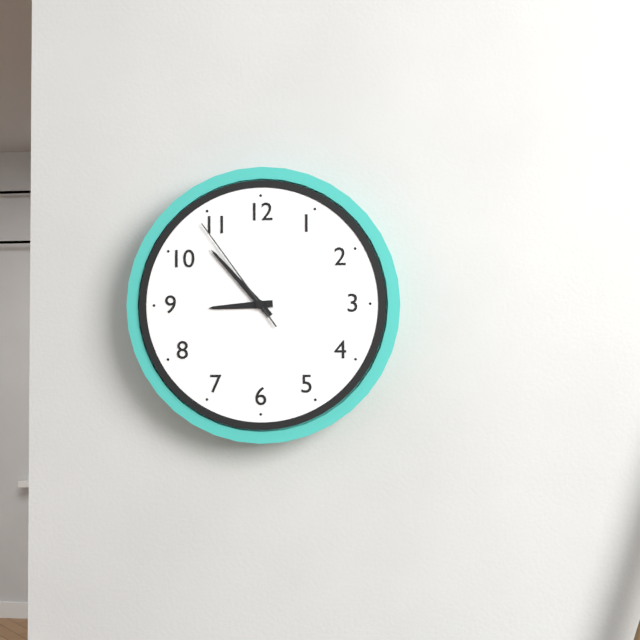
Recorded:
h=8 m=53 s=54
